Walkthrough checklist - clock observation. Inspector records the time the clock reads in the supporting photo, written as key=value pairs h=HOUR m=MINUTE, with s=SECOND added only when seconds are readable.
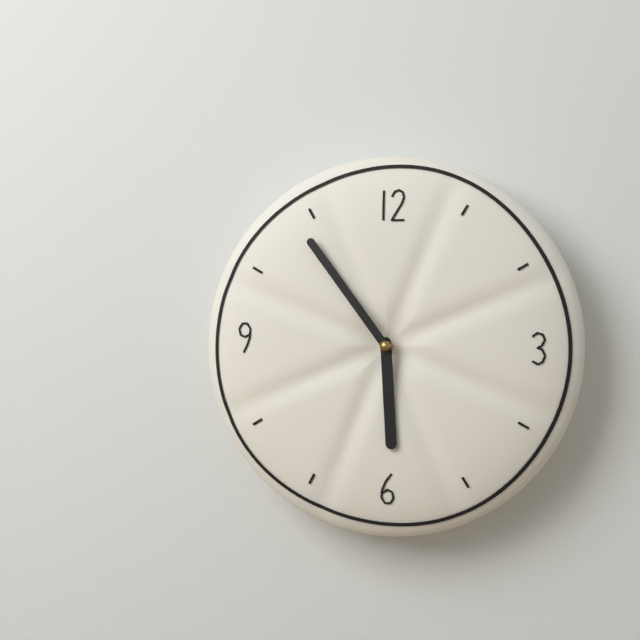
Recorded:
h=5 m=54
